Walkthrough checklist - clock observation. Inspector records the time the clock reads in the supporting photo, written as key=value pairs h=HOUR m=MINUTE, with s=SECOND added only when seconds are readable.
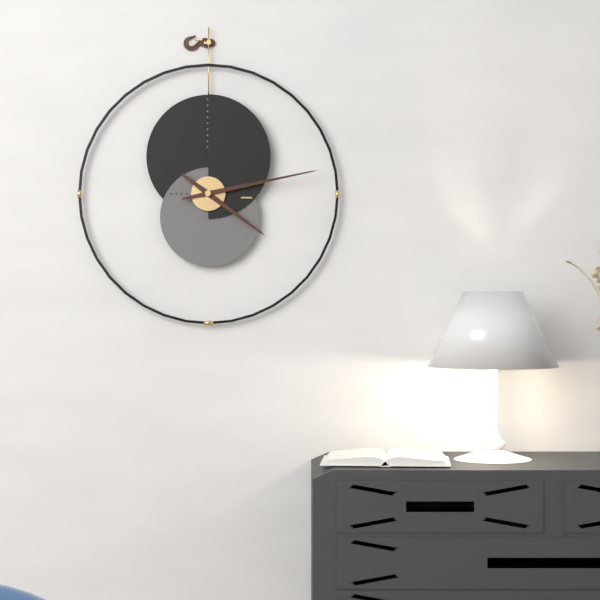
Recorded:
h=4 m=13
